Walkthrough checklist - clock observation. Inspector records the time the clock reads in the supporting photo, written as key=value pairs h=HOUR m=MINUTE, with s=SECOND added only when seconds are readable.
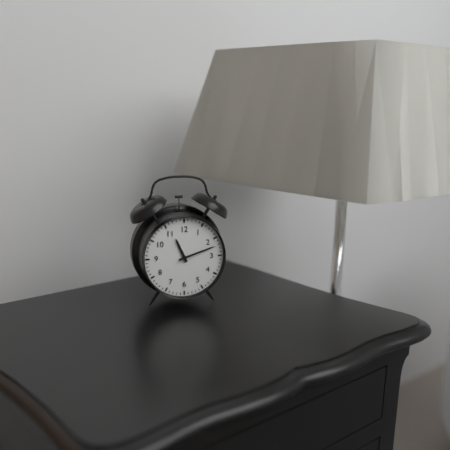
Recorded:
h=11 m=12
